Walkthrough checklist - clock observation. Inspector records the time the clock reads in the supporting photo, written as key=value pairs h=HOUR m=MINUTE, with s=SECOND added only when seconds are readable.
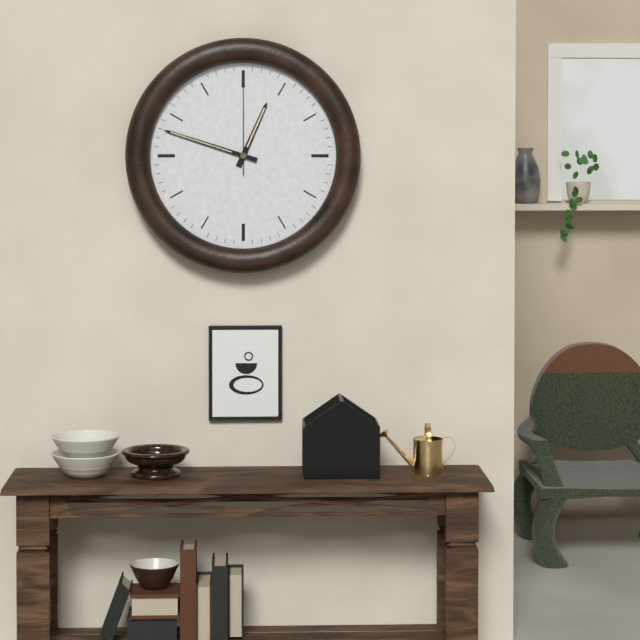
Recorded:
h=12 m=48 s=0
